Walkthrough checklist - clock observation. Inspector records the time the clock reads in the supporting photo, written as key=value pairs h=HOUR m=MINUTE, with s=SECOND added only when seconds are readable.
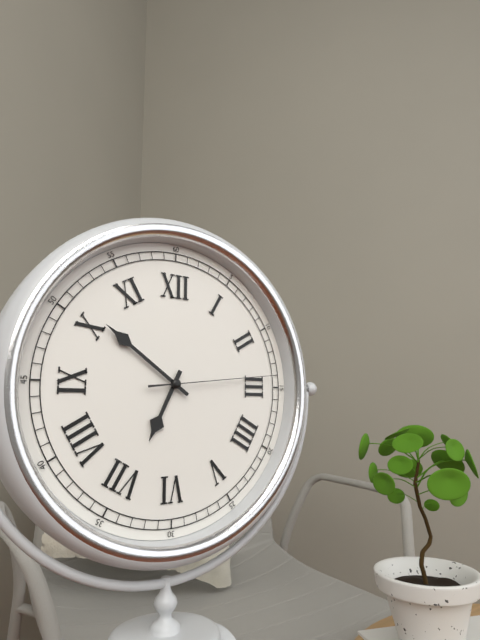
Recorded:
h=6 m=51 s=14
